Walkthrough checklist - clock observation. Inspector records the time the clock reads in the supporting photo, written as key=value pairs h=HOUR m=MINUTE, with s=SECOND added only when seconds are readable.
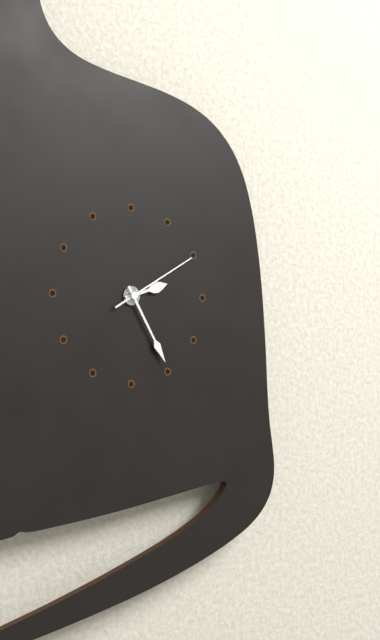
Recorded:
h=2 m=25 s=10
